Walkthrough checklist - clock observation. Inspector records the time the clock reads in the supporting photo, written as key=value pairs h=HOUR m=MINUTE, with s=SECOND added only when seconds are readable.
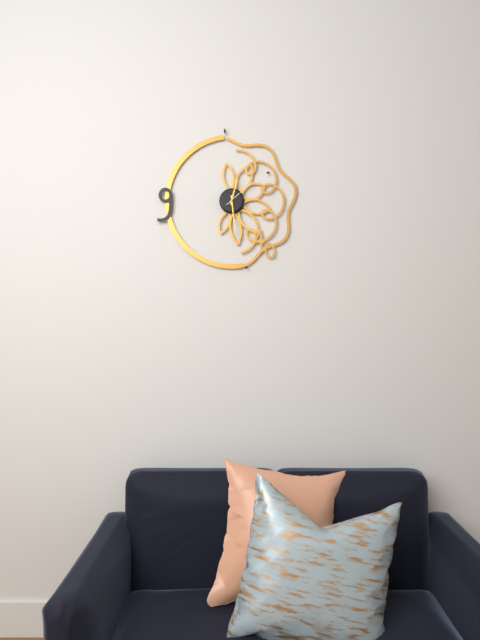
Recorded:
h=12 m=29
